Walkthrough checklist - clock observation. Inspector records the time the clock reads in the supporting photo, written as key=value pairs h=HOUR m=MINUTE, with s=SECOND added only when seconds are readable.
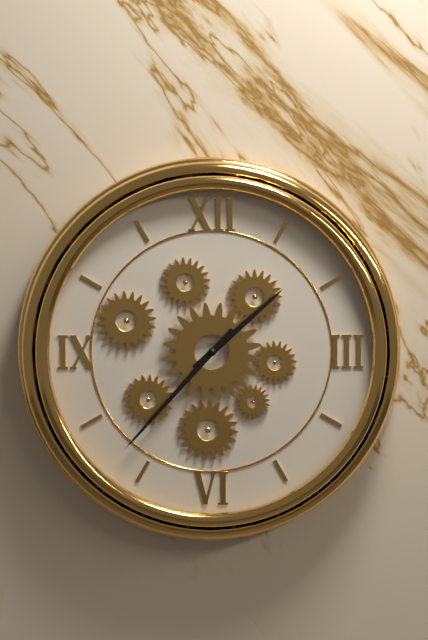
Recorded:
h=1 m=37
